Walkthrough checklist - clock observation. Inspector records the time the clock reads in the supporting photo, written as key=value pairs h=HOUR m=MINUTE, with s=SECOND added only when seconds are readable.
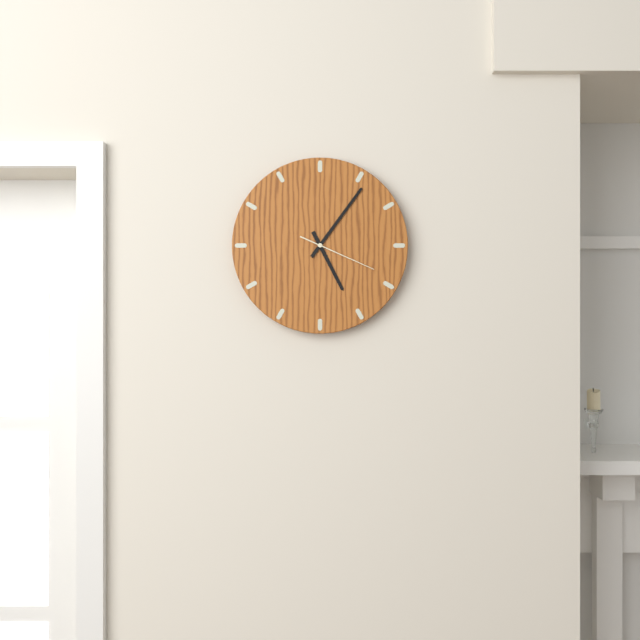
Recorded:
h=5 m=6 s=19
